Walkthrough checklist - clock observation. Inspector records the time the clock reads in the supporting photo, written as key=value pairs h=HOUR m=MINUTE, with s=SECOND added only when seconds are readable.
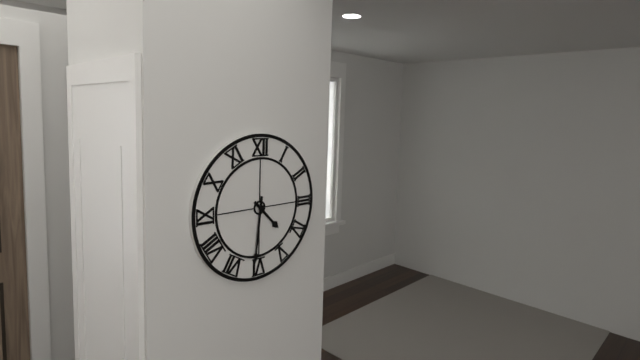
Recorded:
h=4 m=31
